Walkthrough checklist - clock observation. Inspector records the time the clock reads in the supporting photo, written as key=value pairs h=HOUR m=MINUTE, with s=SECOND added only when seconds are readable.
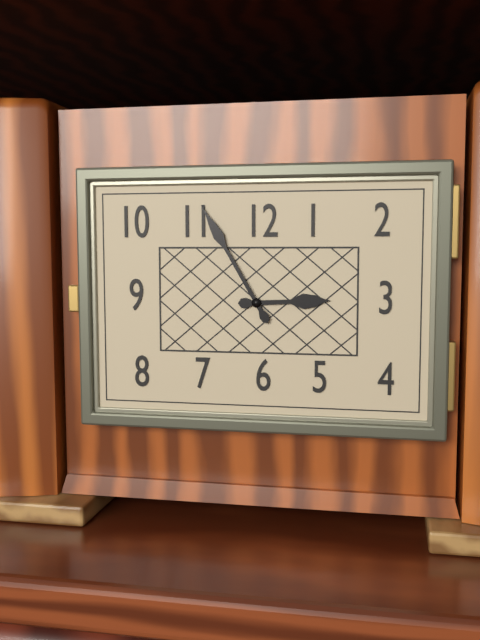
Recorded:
h=2 m=55
